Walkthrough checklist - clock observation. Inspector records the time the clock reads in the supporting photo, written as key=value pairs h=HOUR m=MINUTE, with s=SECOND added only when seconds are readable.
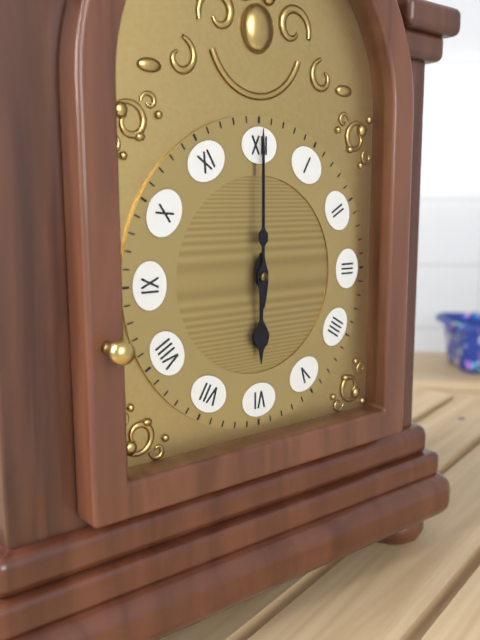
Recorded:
h=6 m=0
